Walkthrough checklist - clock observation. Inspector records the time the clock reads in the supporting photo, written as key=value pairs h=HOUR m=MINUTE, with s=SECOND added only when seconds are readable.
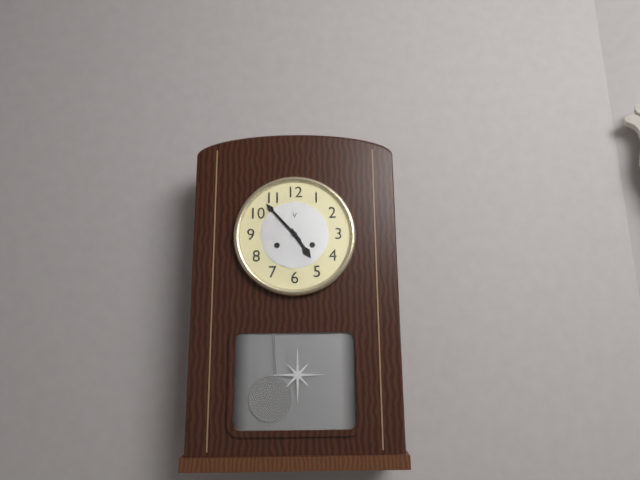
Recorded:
h=4 m=53
